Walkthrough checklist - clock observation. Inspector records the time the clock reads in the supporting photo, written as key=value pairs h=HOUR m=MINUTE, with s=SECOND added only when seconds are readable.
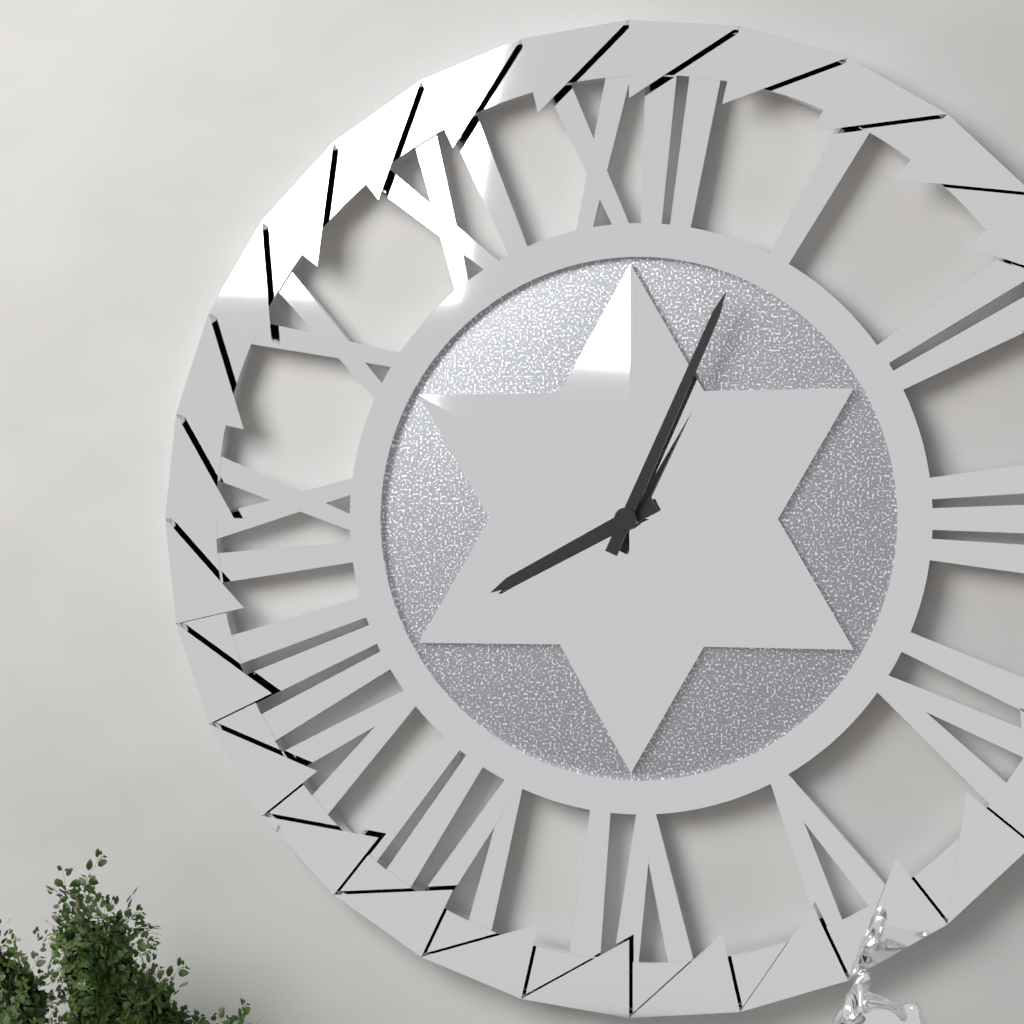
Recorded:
h=8 m=4
